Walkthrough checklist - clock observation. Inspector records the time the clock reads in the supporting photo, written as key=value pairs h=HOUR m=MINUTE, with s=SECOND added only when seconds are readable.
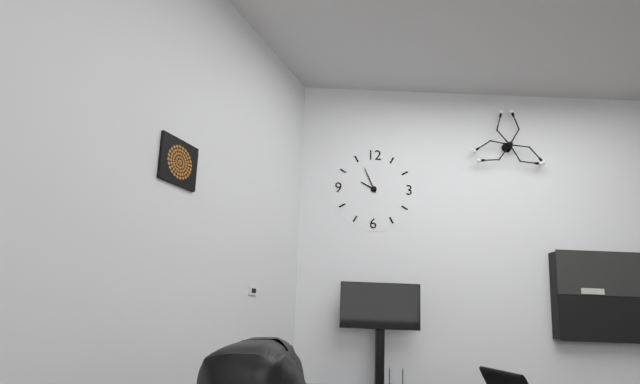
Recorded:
h=9 m=56
